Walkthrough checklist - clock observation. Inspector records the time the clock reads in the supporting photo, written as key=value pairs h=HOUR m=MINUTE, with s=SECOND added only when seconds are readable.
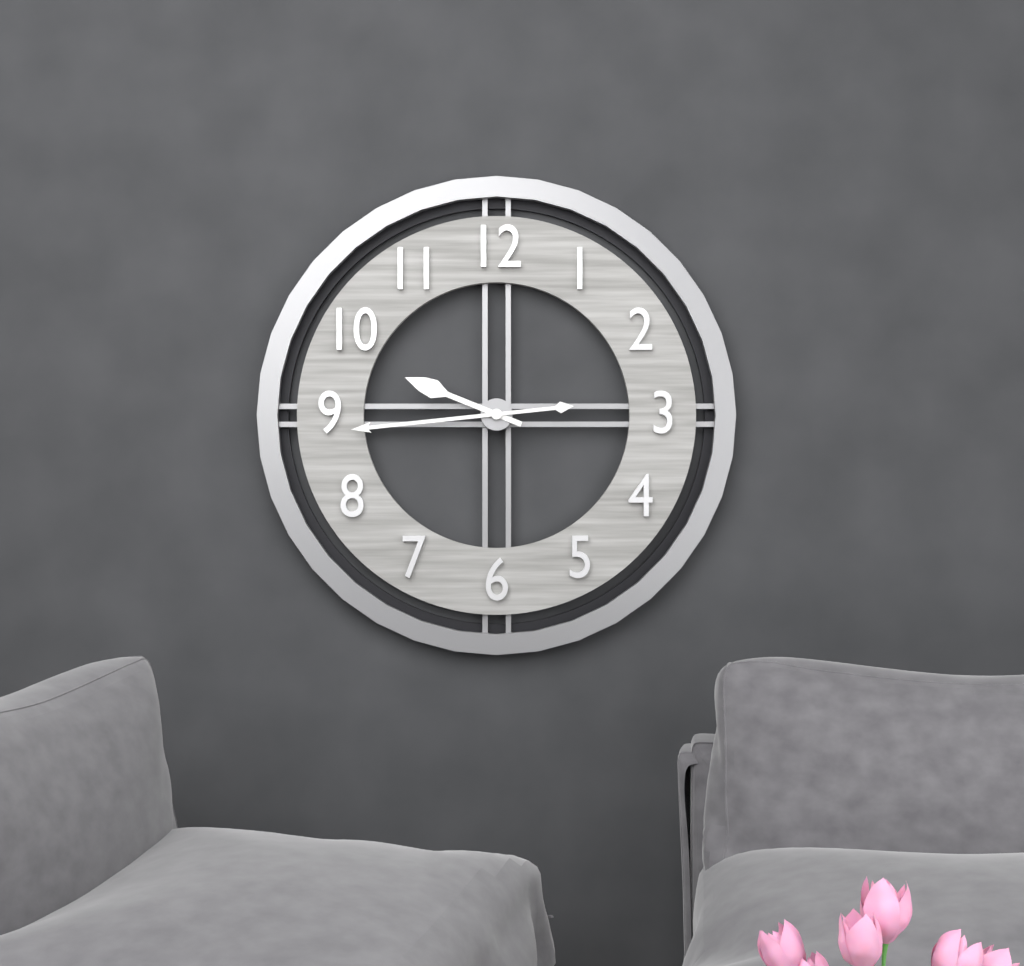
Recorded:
h=9 m=44
